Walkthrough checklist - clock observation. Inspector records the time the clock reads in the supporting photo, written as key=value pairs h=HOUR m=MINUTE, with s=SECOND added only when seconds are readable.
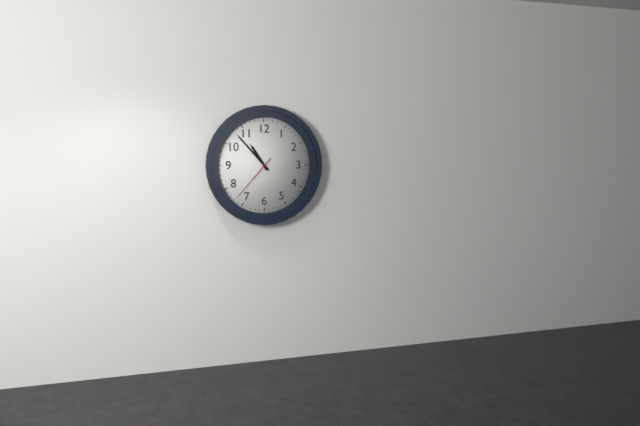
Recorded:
h=10 m=53 s=37
